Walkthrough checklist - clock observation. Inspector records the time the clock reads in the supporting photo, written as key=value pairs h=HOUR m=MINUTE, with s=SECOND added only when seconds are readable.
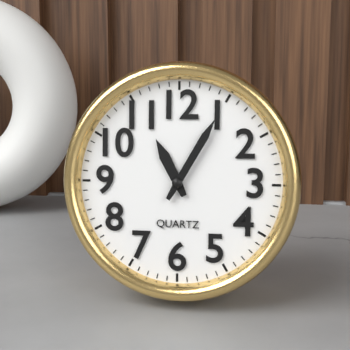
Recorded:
h=11 m=5
